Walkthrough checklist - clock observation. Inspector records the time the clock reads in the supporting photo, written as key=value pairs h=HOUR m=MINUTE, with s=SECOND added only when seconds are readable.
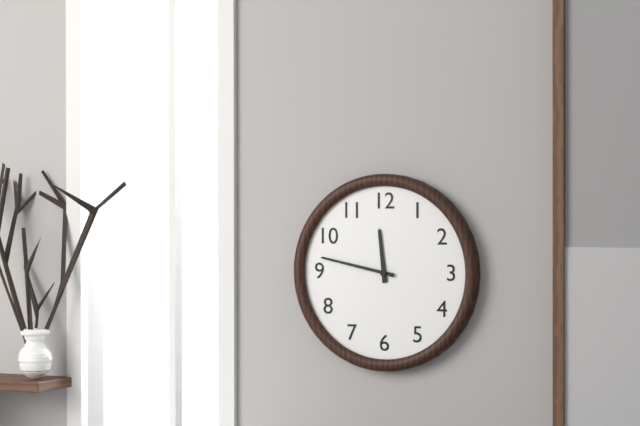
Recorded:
h=11 m=47
